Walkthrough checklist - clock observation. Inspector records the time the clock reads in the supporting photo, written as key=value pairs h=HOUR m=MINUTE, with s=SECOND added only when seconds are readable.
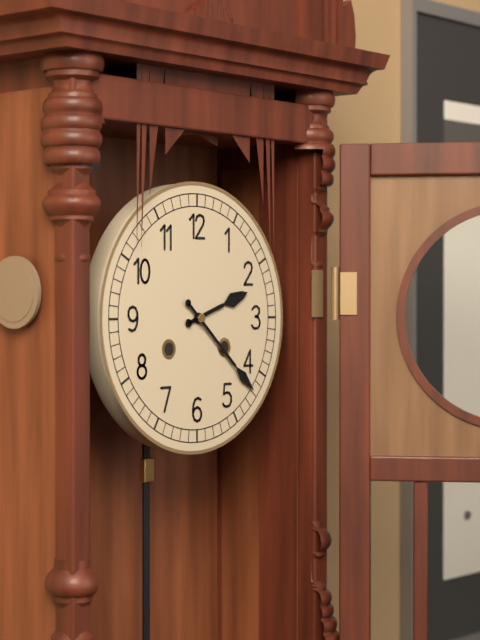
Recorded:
h=2 m=22
